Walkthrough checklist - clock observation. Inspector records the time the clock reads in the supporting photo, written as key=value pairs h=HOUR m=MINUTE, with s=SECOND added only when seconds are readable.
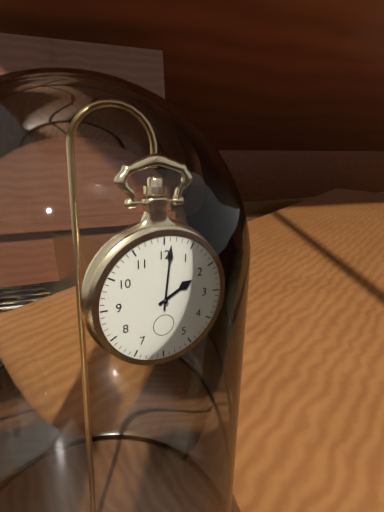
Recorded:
h=2 m=1
